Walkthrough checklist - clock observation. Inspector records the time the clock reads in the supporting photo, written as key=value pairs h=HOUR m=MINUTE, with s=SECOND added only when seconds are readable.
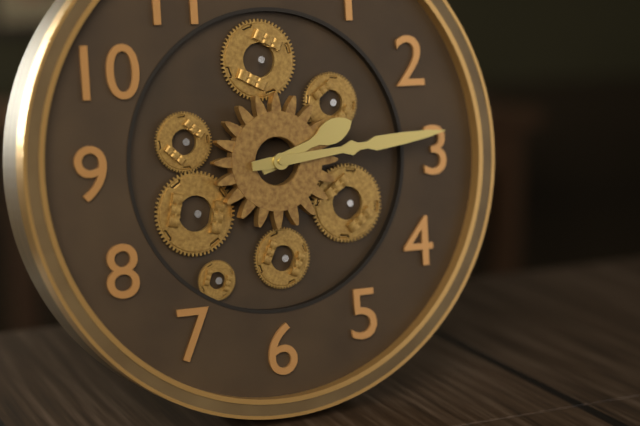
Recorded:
h=2 m=14
